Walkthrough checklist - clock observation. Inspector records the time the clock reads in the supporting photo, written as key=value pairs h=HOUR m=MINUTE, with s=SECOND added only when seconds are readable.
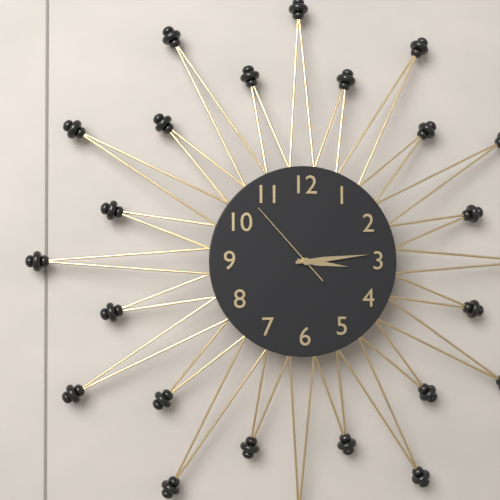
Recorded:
h=3 m=14 s=53
